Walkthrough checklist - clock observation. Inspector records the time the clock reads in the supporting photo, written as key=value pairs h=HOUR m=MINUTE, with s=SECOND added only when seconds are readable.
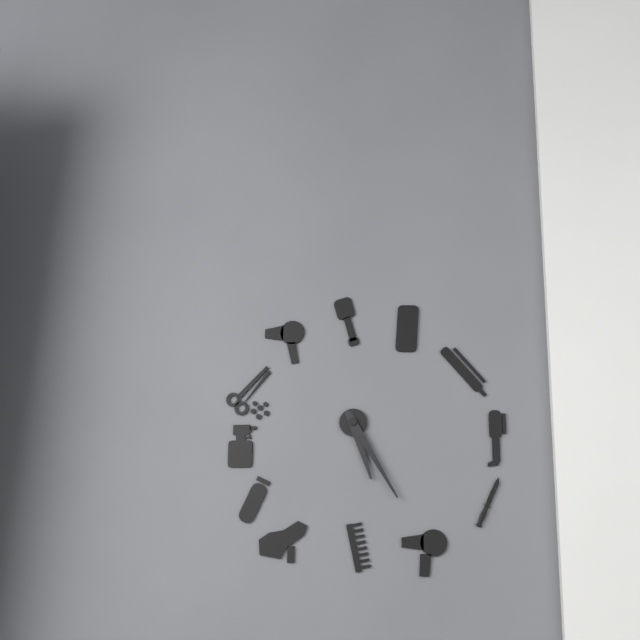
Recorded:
h=5 m=25
